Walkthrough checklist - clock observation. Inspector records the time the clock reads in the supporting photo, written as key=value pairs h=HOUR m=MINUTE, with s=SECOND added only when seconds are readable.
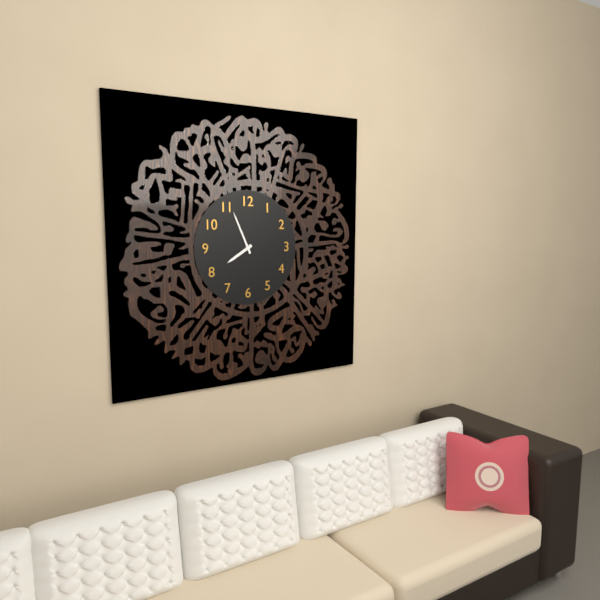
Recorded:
h=7 m=56
